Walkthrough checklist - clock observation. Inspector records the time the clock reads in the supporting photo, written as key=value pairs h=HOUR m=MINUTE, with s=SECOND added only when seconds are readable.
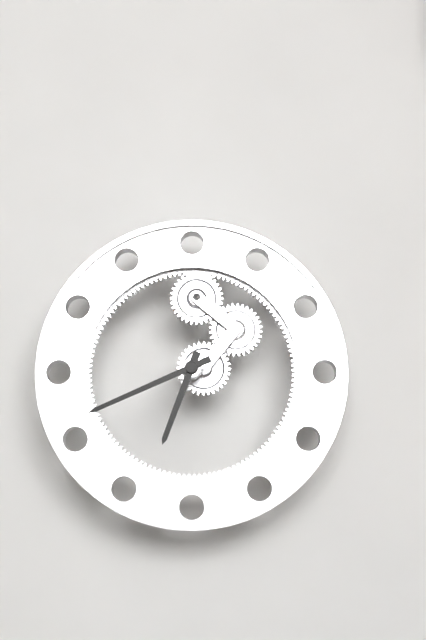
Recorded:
h=6 m=41
